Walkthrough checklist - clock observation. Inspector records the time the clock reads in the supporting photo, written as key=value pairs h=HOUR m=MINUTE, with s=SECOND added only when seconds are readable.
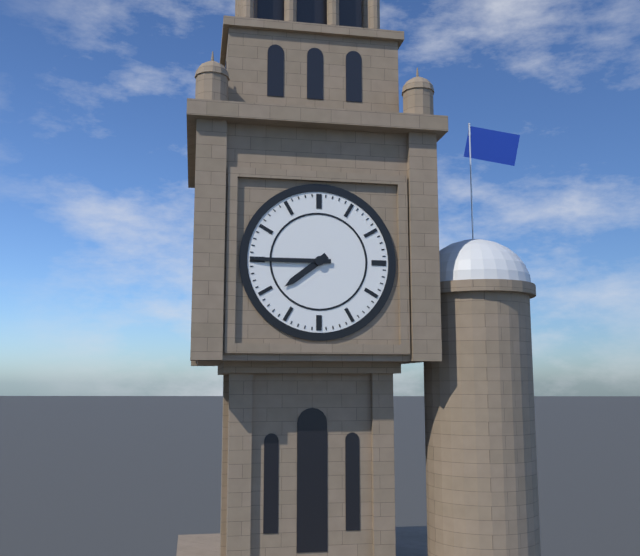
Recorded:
h=7 m=45
